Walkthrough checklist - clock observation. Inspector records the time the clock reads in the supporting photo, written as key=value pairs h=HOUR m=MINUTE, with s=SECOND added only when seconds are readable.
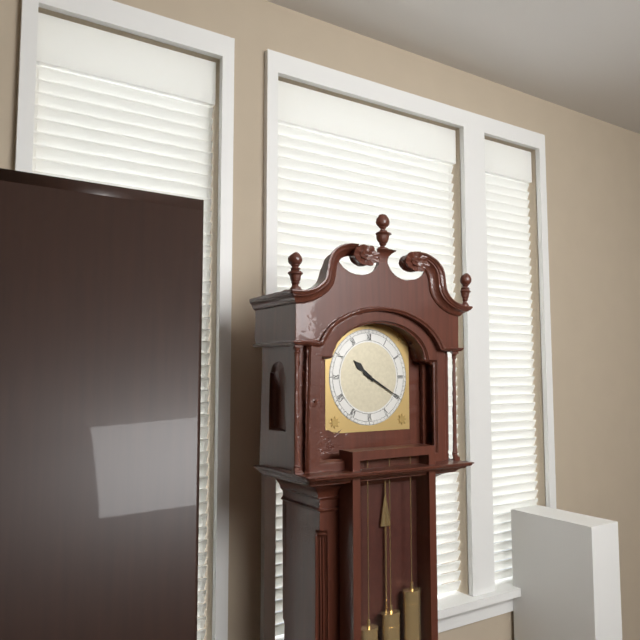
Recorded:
h=10 m=20
